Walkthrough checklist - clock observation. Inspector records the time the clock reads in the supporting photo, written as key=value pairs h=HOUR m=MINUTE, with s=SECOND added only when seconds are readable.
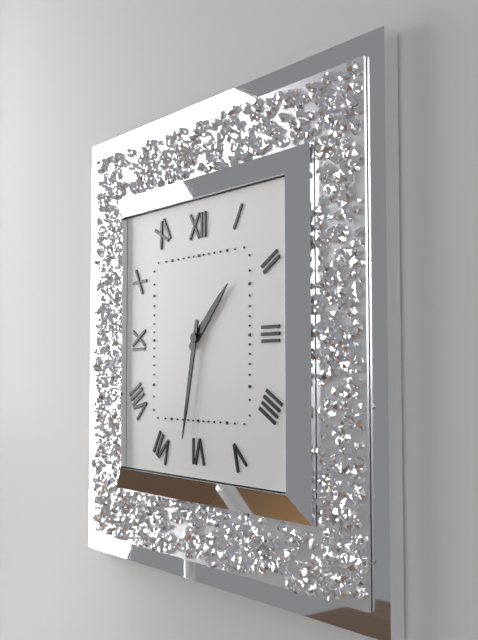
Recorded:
h=1 m=32
